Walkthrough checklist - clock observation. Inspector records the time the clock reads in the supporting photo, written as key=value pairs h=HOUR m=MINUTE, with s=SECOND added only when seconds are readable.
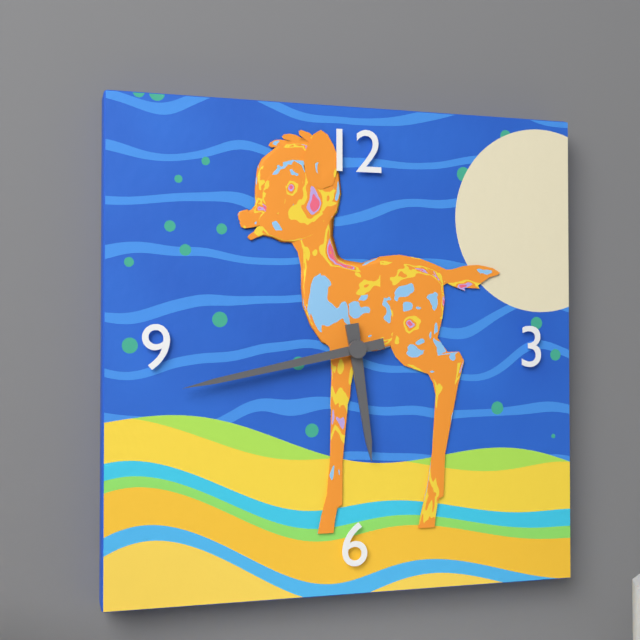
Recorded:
h=5 m=43
